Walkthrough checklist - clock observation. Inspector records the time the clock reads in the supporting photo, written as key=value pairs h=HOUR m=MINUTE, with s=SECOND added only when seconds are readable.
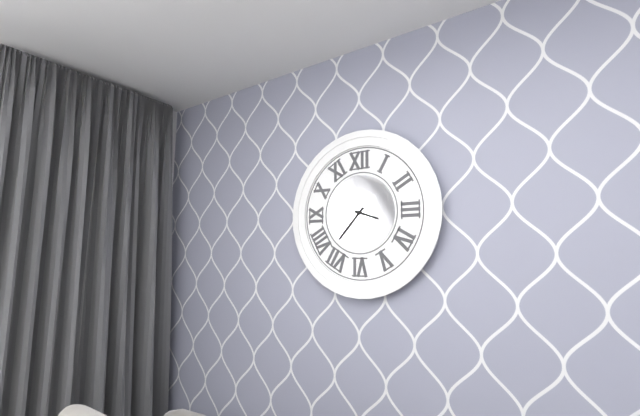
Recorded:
h=3 m=37
